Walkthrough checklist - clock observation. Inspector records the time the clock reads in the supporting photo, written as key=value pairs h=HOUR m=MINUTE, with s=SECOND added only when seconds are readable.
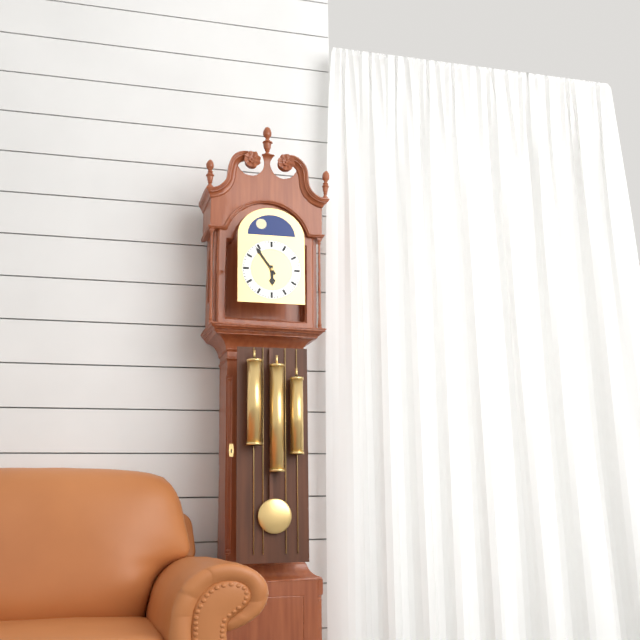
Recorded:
h=5 m=54
